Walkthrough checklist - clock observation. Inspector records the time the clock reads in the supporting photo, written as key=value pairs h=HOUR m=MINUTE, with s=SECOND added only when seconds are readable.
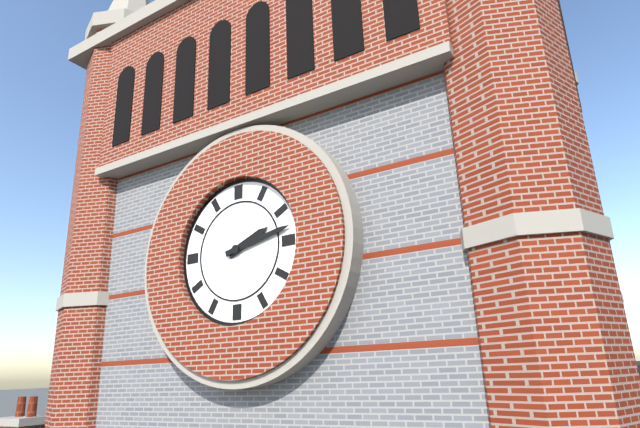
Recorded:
h=2 m=13
